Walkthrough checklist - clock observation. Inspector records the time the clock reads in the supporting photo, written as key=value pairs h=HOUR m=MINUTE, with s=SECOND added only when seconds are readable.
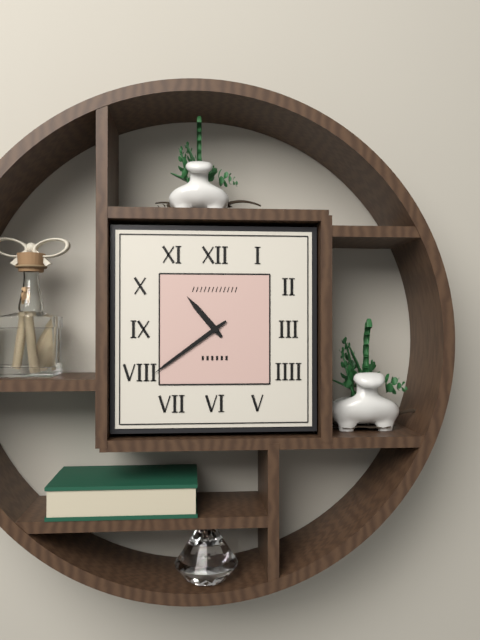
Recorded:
h=10 m=39
